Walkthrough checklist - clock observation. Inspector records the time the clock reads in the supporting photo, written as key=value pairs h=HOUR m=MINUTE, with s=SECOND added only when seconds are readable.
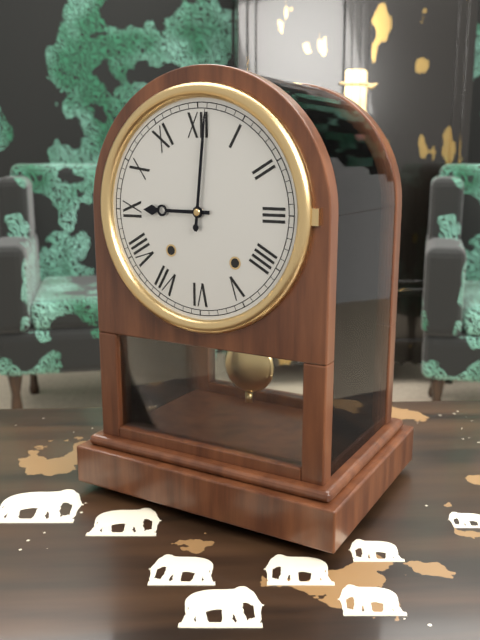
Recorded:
h=9 m=1
